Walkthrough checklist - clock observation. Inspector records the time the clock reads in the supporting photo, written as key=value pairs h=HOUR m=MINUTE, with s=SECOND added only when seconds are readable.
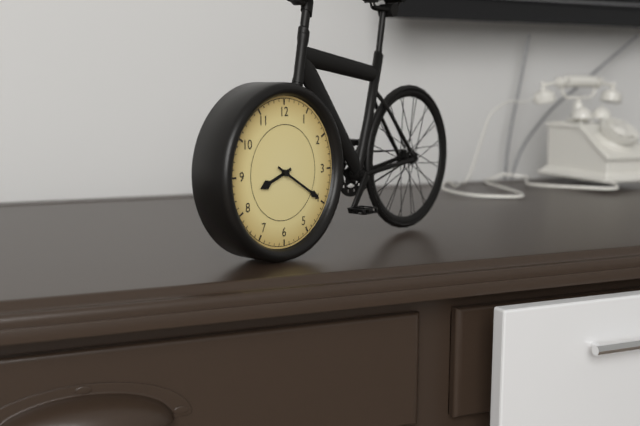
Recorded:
h=8 m=20
